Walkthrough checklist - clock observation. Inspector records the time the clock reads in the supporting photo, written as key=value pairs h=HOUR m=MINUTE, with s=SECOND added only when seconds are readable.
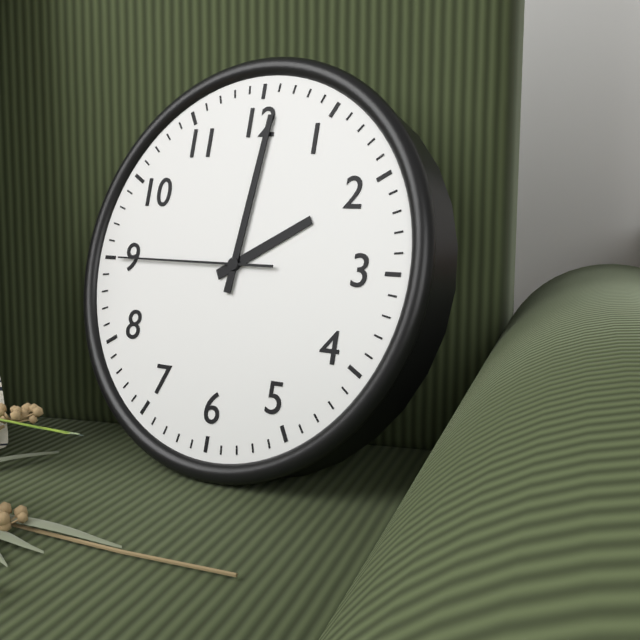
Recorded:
h=2 m=1 s=45
